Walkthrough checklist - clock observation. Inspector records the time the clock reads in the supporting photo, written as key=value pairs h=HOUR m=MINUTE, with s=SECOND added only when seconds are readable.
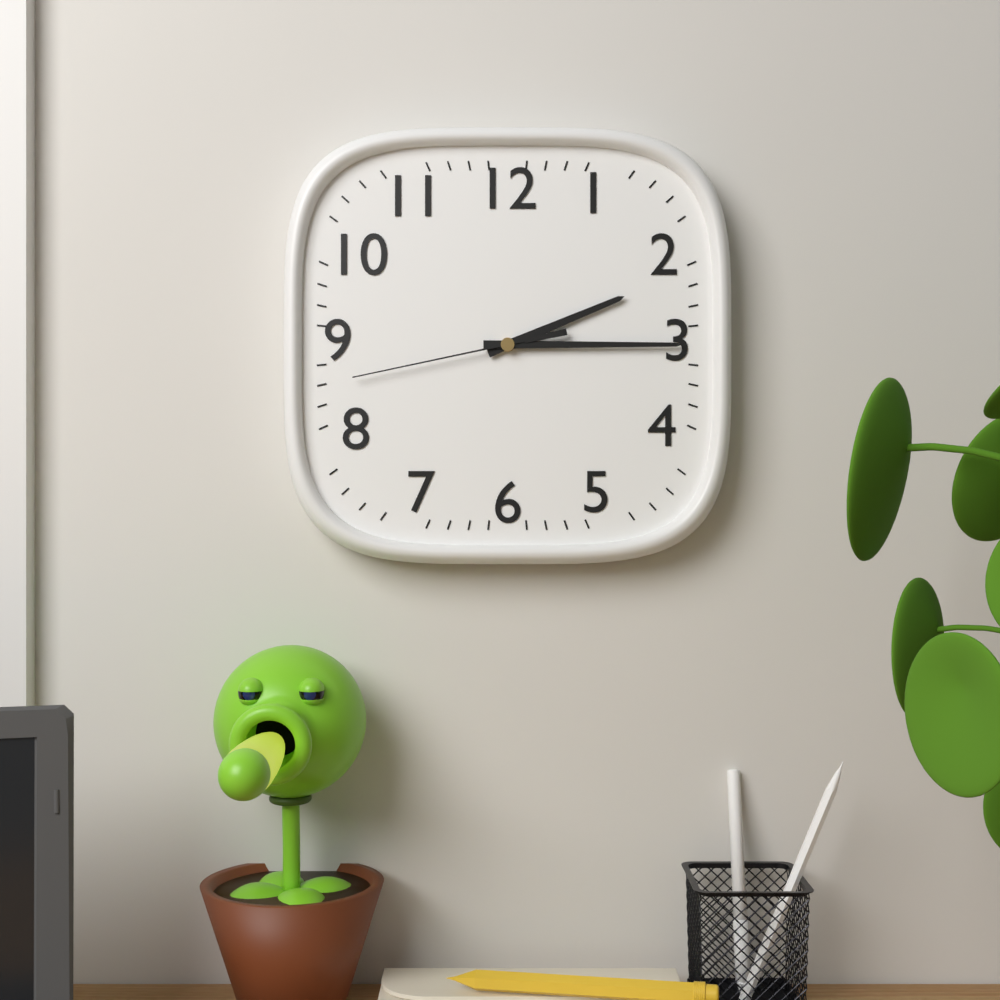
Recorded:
h=2 m=15 s=43
